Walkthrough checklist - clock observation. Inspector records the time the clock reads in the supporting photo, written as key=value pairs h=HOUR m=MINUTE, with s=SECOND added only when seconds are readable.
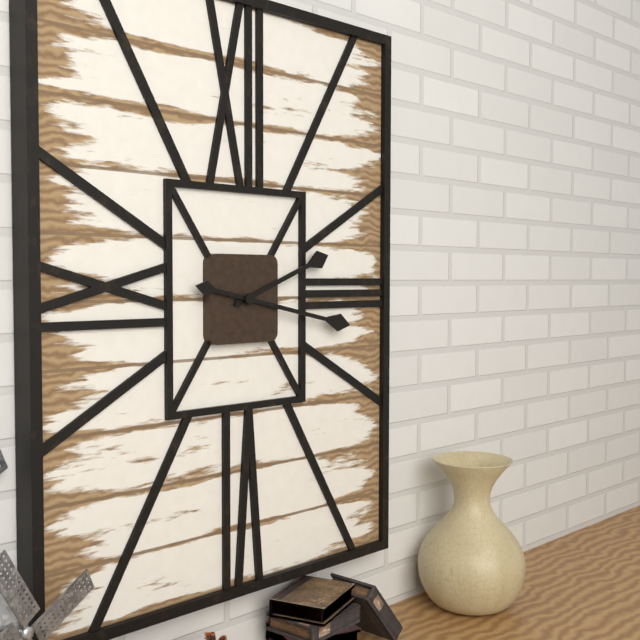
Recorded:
h=2 m=17
